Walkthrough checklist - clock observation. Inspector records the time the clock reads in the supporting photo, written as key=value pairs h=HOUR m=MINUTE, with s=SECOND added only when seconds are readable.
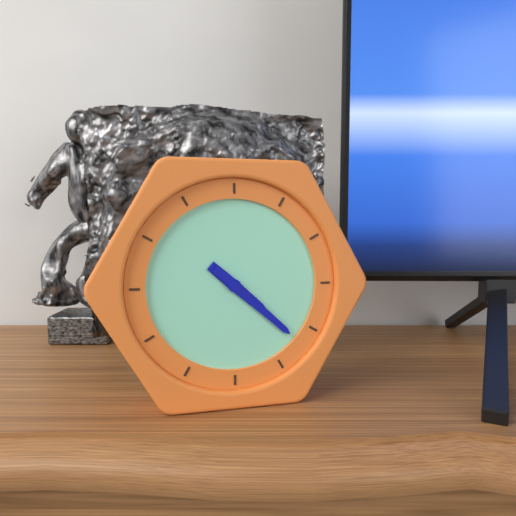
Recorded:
h=4 m=22
